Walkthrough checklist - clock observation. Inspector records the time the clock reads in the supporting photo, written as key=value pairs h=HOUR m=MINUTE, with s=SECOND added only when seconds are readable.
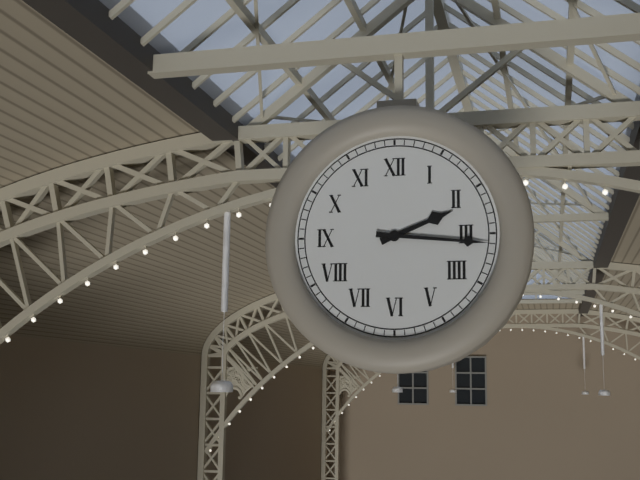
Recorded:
h=2 m=16
